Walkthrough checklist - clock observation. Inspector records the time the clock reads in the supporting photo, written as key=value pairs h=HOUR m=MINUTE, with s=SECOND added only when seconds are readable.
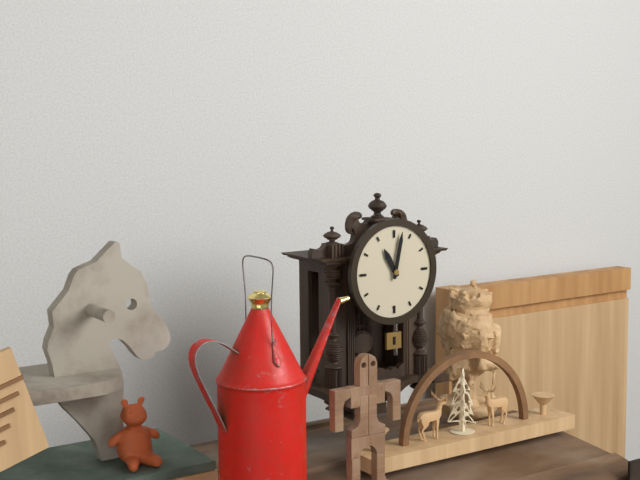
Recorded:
h=11 m=2
